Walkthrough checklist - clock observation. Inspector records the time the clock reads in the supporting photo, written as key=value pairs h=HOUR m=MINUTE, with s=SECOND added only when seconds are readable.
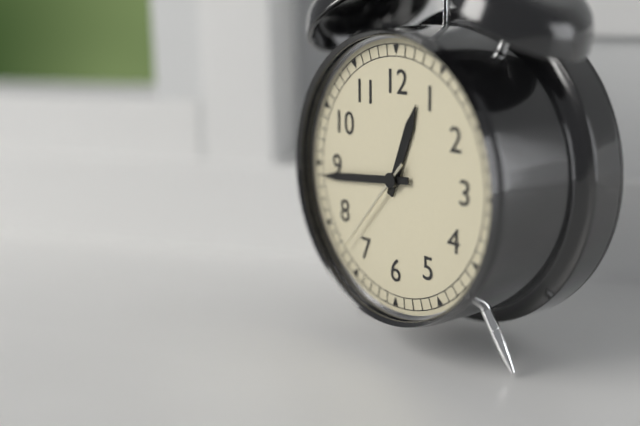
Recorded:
h=12 m=44 s=37
